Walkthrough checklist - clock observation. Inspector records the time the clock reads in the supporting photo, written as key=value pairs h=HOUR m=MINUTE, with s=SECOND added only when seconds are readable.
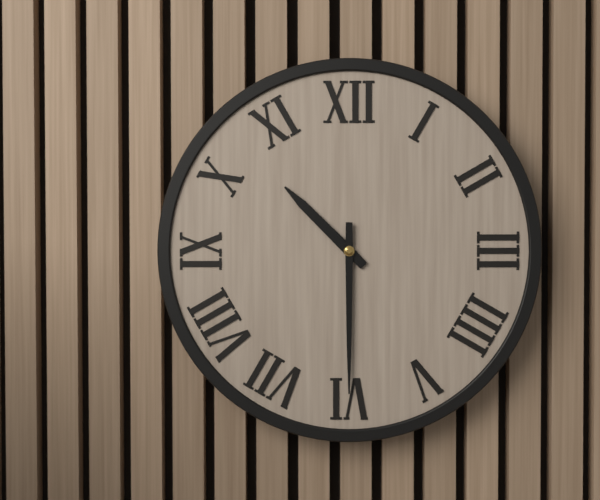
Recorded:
h=10 m=30
